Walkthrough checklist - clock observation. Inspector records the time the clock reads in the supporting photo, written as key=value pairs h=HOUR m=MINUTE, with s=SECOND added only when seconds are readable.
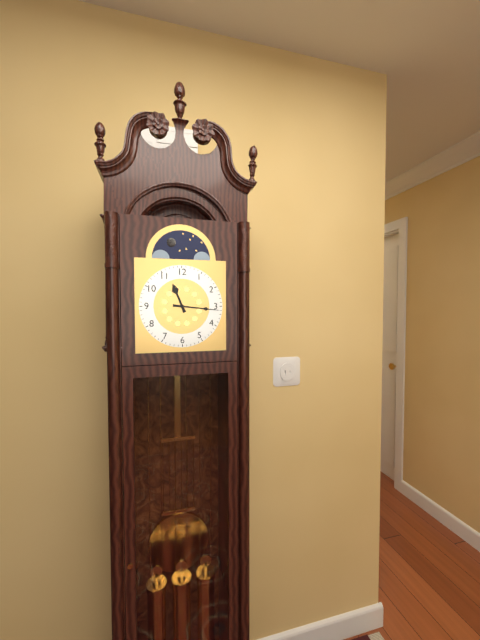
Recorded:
h=11 m=16
